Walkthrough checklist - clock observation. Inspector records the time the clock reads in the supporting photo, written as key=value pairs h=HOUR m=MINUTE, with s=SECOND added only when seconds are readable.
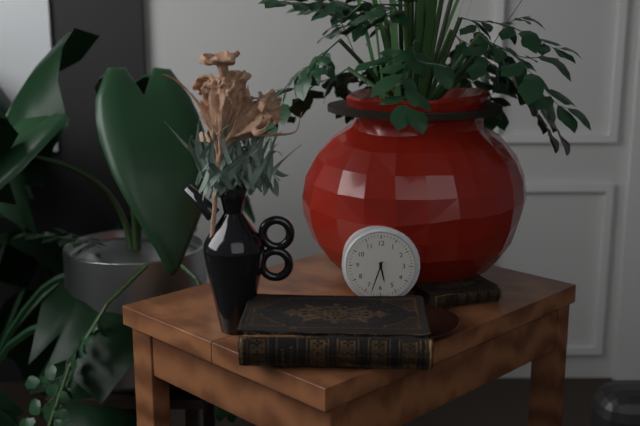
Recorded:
h=5 m=33
